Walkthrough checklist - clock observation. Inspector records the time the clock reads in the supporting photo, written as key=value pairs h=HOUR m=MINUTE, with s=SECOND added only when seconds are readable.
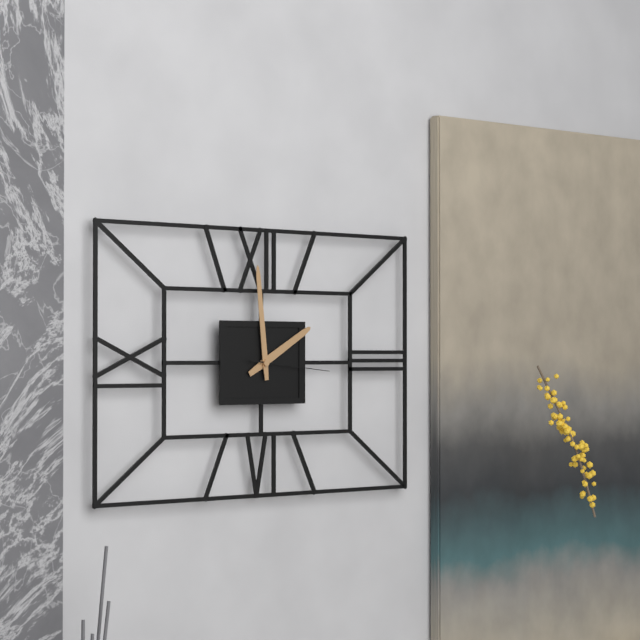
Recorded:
h=1 m=59 s=16
